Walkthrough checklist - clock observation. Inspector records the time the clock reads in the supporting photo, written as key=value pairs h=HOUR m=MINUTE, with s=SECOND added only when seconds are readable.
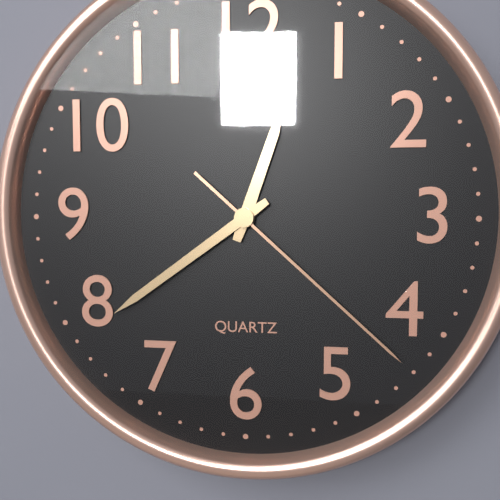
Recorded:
h=12 m=39 s=22
